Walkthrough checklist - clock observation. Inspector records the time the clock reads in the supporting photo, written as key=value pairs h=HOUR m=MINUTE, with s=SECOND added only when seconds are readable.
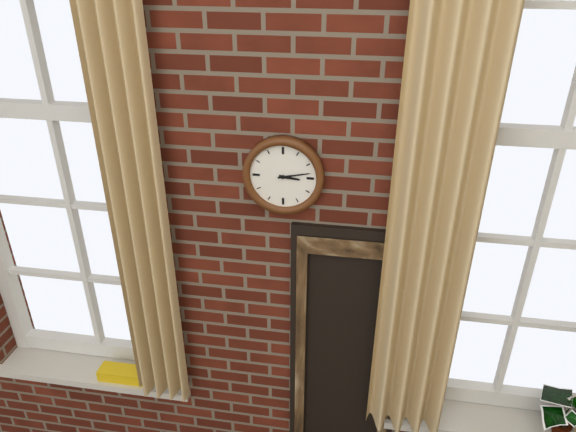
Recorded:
h=3 m=13
